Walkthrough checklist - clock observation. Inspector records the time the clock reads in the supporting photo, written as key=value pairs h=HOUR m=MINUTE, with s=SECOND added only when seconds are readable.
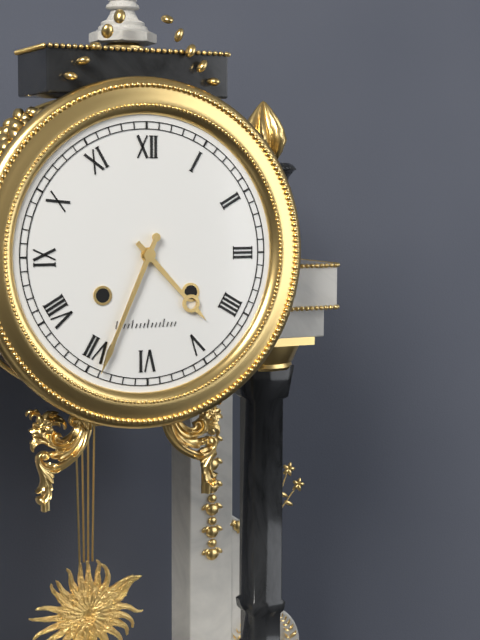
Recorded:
h=4 m=34
